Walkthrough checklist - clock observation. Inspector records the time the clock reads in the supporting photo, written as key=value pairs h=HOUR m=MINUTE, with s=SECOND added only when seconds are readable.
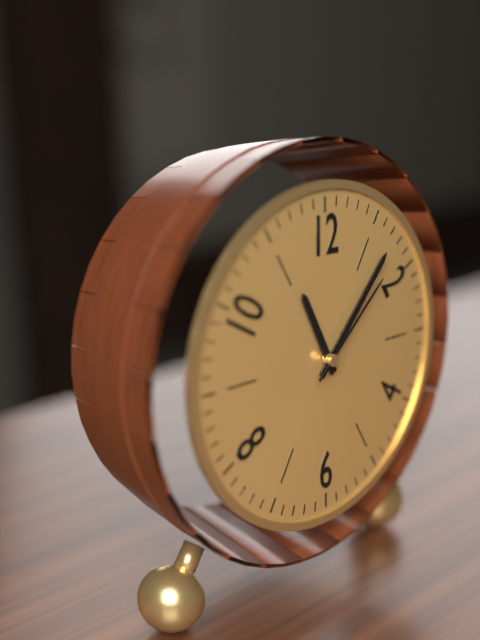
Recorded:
h=11 m=7 s=8
